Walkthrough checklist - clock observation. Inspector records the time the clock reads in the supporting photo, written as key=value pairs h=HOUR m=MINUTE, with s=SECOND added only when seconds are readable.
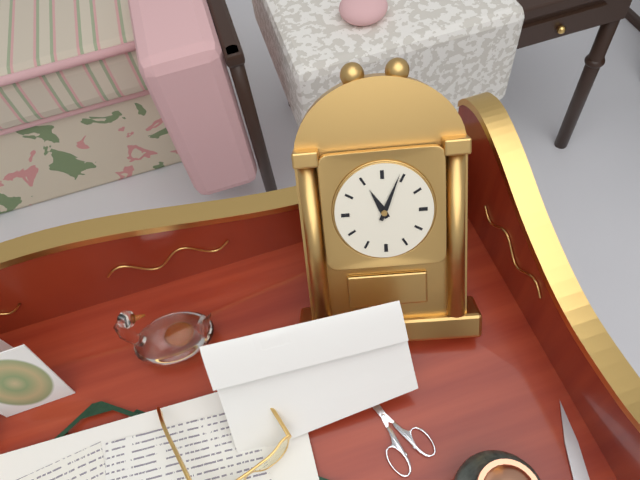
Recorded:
h=11 m=4
